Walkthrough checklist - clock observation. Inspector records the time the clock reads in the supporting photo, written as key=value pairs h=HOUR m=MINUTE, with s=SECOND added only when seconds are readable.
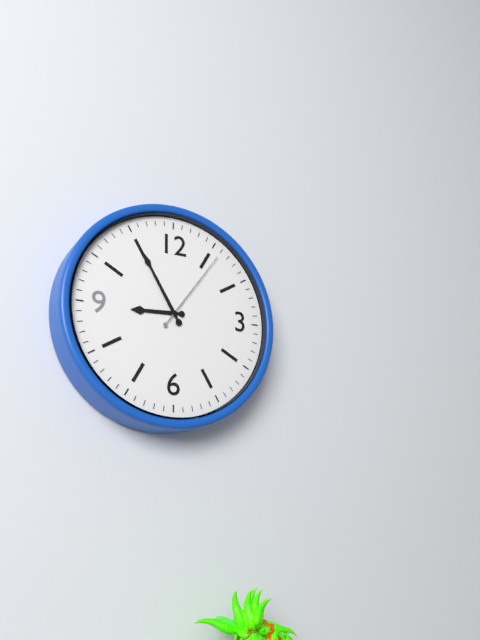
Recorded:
h=8 m=55 s=6
